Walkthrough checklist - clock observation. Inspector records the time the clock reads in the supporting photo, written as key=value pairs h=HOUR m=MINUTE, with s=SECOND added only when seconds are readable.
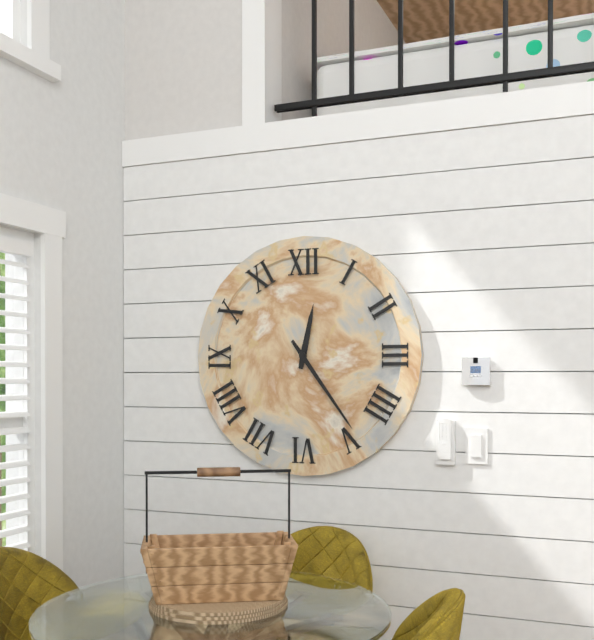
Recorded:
h=12 m=24
